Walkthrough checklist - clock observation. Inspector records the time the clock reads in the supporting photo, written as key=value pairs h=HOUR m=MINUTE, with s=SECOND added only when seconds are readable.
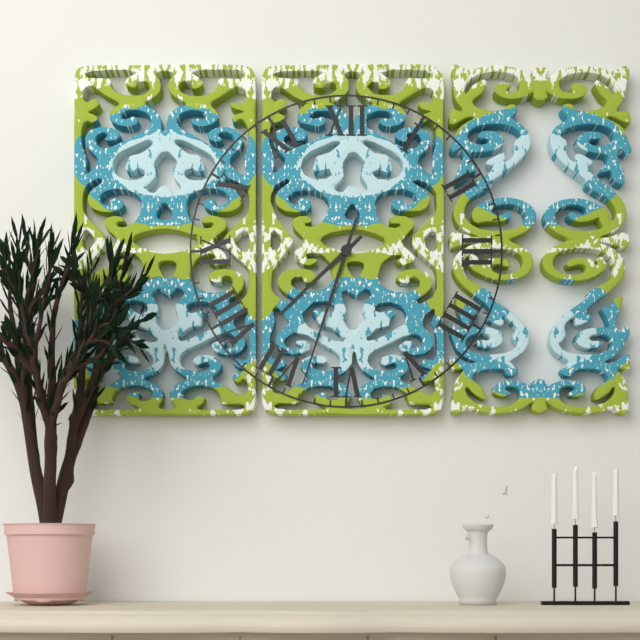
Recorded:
h=7 m=33
